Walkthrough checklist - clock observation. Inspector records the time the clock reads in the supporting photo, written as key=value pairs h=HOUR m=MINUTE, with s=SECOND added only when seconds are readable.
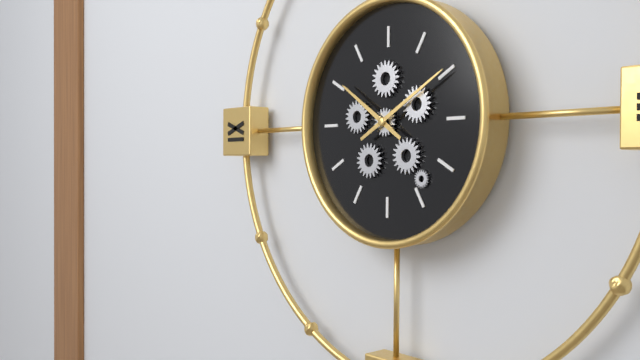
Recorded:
h=10 m=10
